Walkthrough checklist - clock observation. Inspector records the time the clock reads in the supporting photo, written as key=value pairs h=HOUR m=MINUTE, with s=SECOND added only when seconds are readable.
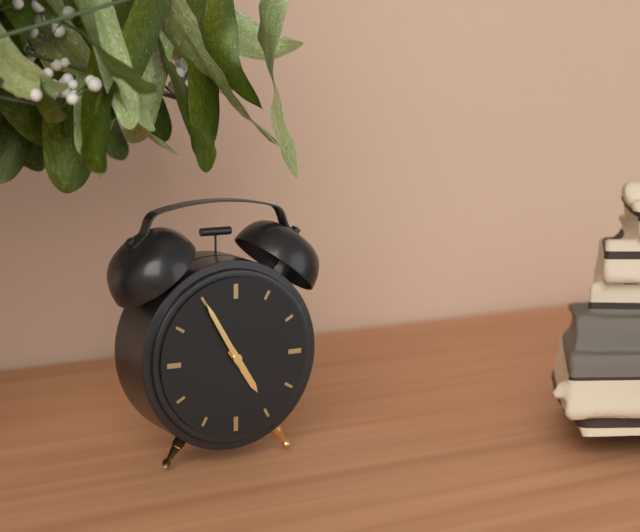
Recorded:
h=4 m=55
